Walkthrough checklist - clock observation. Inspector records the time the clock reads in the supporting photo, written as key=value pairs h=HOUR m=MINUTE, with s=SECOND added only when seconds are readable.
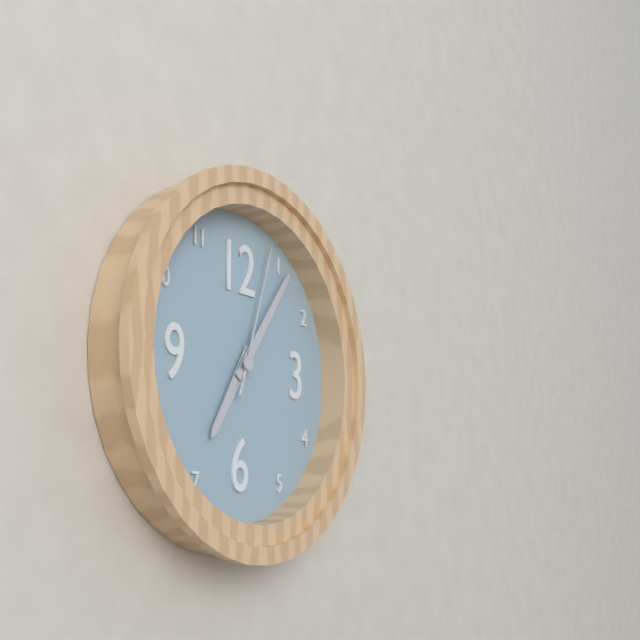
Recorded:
h=7 m=6 s=3
